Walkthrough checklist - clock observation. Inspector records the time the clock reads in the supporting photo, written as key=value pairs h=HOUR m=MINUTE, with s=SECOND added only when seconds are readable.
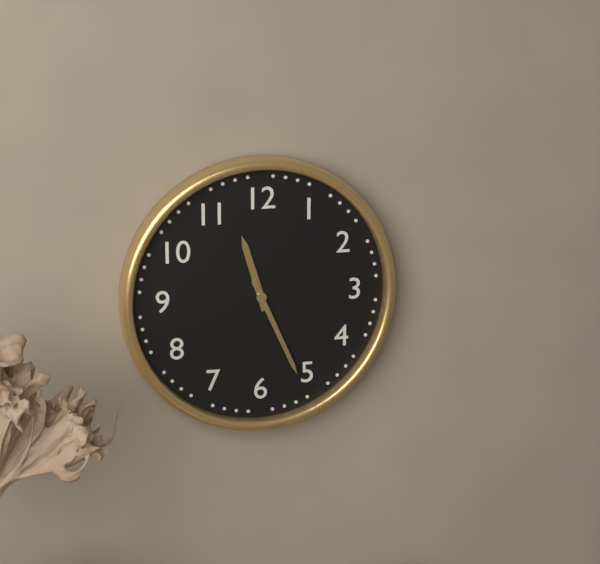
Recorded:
h=11 m=26
